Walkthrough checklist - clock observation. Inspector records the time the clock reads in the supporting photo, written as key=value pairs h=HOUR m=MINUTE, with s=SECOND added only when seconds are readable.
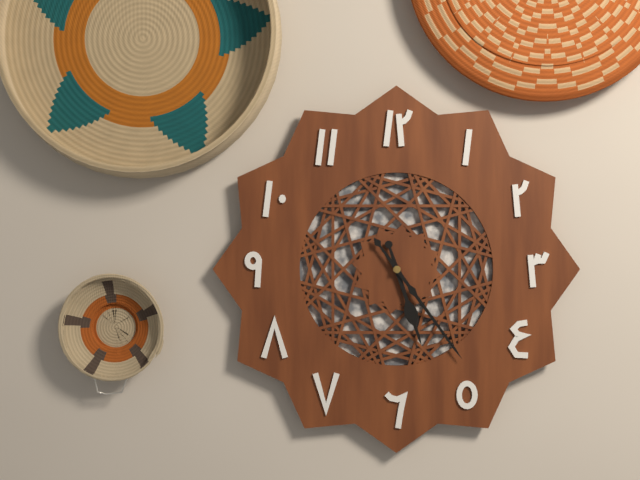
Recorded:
h=5 m=24
